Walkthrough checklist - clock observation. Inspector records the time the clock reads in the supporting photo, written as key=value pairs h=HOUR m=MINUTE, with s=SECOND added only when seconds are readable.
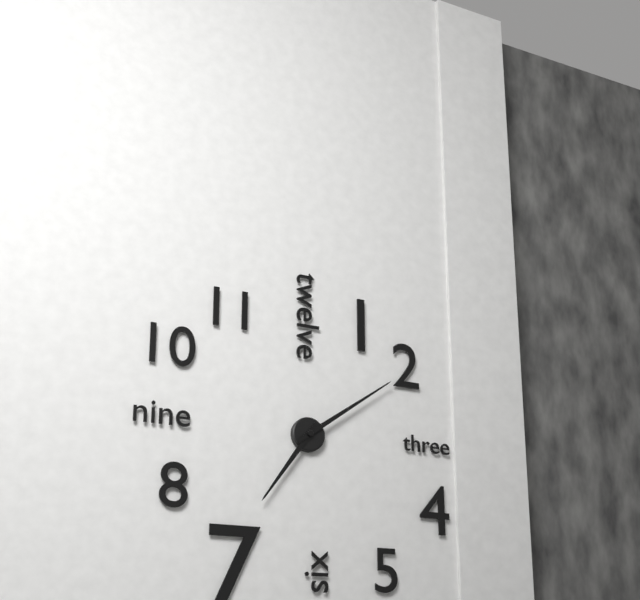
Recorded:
h=7 m=9
